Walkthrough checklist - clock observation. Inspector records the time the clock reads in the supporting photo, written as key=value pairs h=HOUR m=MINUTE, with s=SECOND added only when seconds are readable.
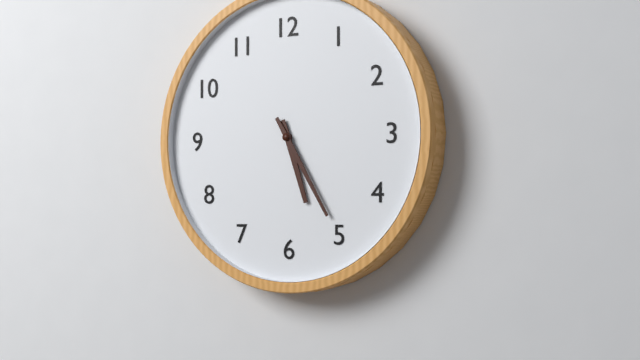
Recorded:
h=5 m=25
